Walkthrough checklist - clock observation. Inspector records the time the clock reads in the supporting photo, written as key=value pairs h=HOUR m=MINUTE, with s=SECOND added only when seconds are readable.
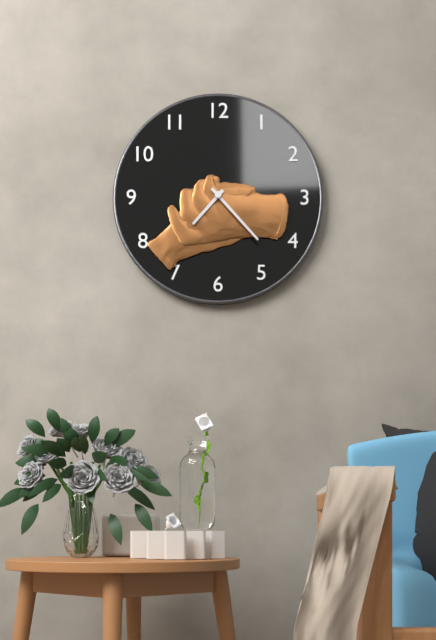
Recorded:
h=7 m=23
